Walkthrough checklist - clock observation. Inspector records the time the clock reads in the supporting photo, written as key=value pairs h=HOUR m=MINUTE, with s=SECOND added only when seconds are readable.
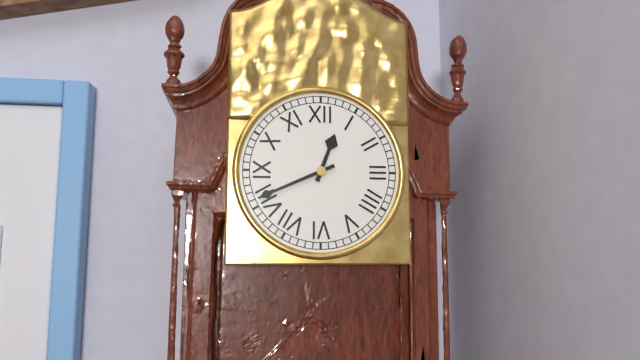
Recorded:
h=12 m=41
